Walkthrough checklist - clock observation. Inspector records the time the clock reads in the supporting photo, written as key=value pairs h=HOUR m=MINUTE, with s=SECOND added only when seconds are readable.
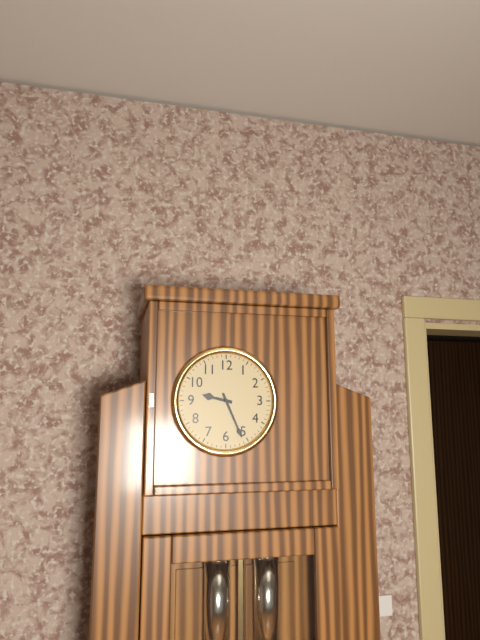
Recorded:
h=9 m=26
